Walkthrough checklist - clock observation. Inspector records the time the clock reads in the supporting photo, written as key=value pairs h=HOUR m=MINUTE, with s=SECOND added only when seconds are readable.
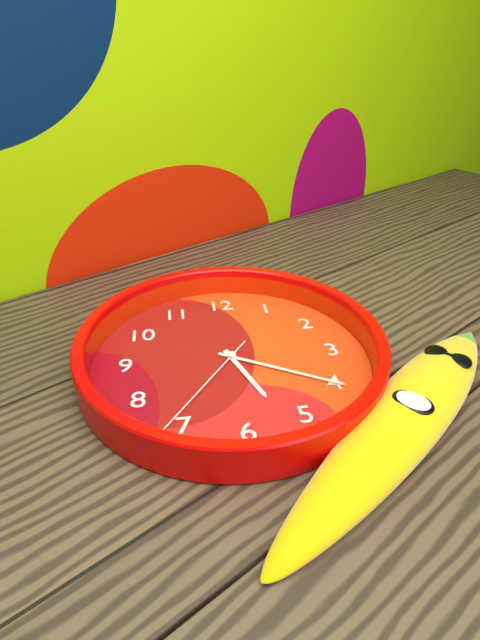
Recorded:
h=5 m=20 s=36
